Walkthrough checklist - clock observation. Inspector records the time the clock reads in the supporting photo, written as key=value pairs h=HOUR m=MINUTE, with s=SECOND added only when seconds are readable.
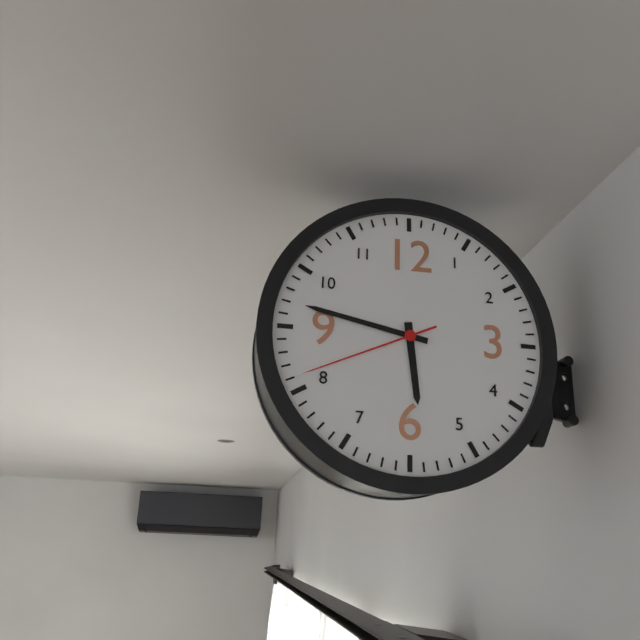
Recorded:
h=5 m=47 s=41
